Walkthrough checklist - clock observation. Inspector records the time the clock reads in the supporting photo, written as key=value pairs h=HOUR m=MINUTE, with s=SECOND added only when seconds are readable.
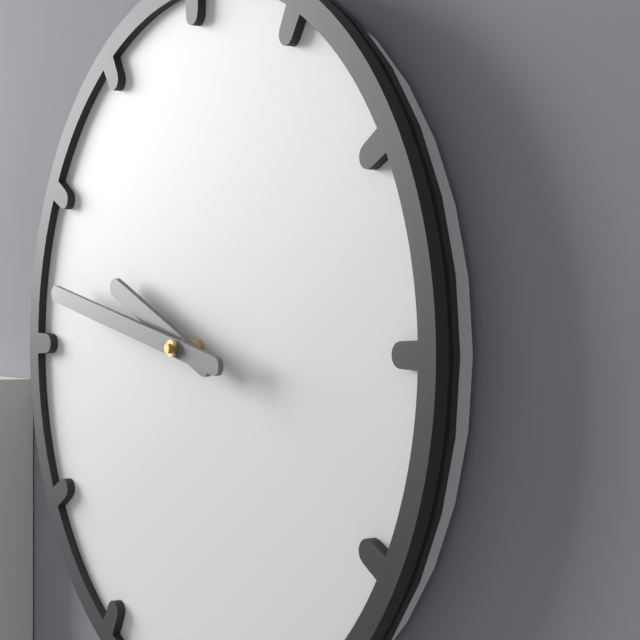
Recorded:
h=9 m=47
